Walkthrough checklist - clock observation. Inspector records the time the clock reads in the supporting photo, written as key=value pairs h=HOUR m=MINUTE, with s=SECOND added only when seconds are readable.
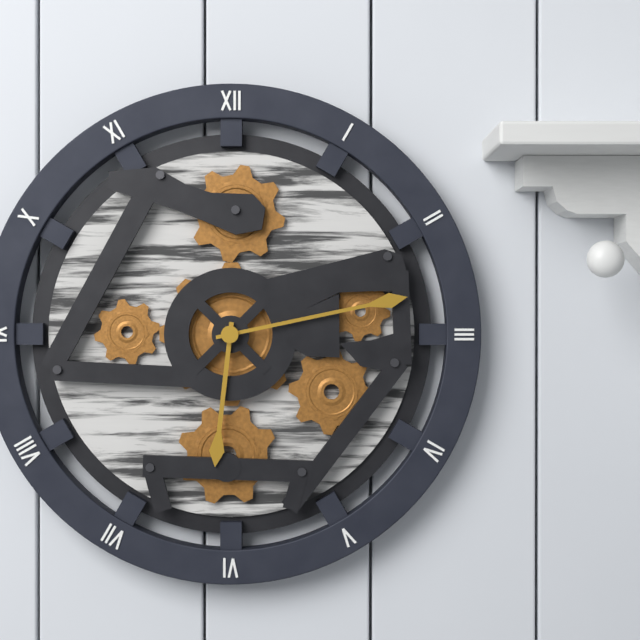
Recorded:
h=6 m=13
